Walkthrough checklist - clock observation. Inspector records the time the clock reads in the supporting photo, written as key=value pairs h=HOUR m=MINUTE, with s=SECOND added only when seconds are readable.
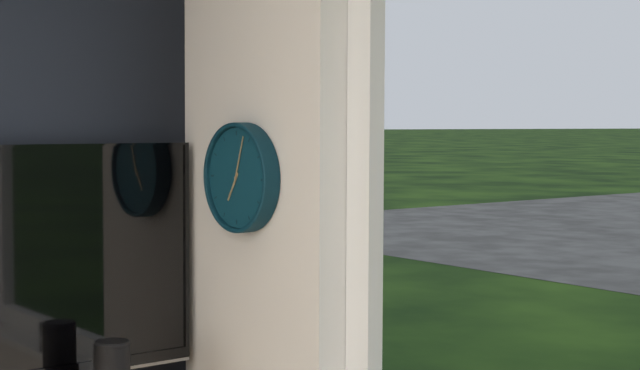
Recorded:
h=7 m=3
